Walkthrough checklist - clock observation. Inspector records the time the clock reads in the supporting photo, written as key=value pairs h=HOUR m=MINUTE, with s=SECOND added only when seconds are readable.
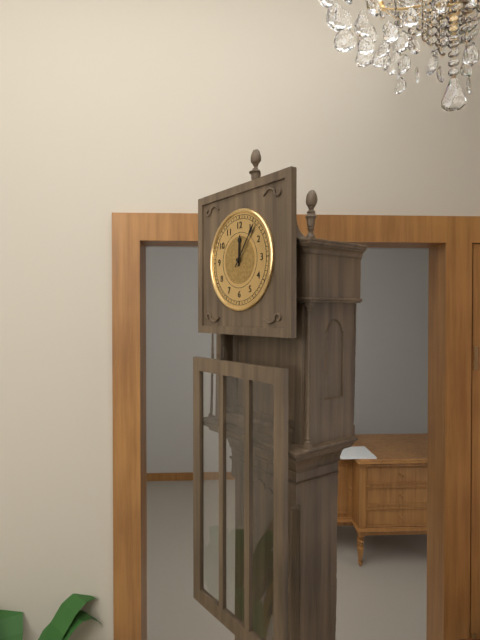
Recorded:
h=12 m=6
